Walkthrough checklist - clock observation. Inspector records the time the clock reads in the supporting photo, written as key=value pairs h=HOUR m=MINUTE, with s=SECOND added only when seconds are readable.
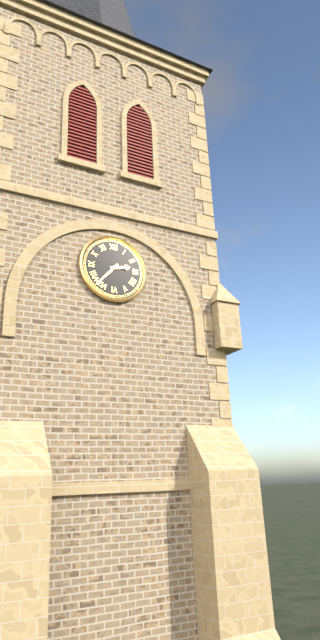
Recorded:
h=2 m=37
